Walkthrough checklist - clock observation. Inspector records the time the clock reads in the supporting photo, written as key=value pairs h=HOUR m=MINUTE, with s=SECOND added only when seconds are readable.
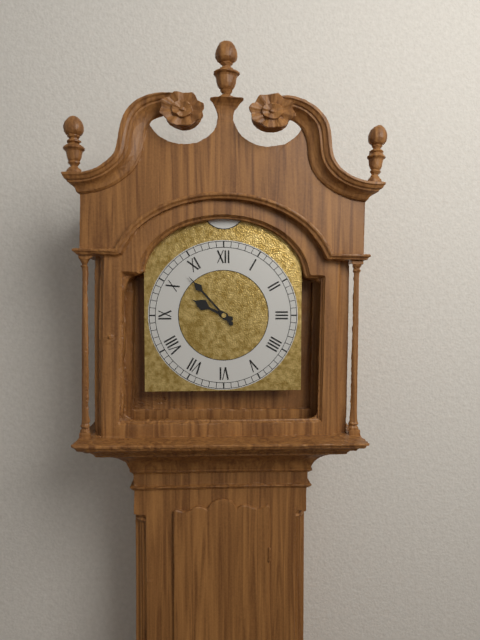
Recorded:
h=9 m=53
